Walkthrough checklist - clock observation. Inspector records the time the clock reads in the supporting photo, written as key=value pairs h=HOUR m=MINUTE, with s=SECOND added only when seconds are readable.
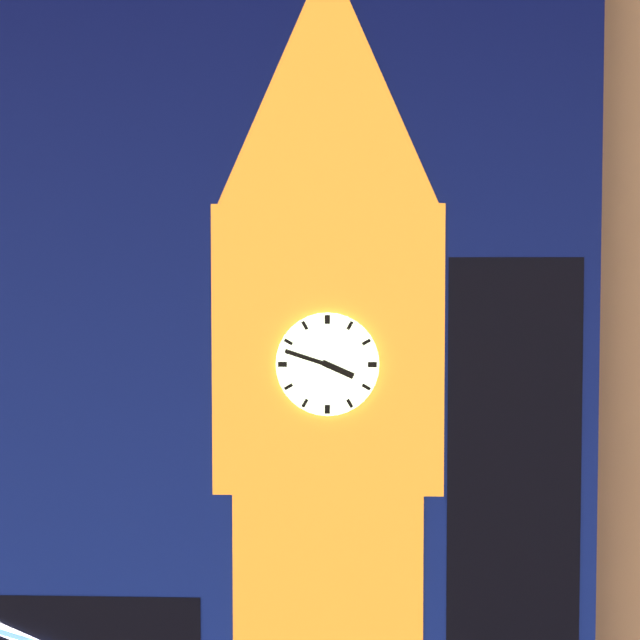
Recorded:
h=3 m=48
